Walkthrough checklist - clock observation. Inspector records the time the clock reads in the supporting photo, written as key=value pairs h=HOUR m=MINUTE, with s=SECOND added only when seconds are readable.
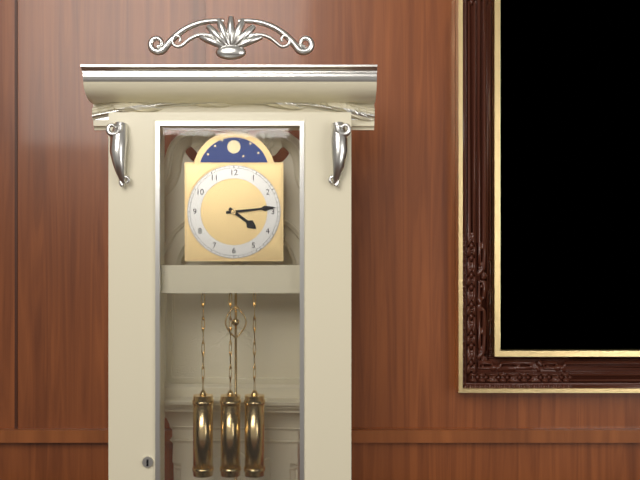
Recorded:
h=4 m=14
